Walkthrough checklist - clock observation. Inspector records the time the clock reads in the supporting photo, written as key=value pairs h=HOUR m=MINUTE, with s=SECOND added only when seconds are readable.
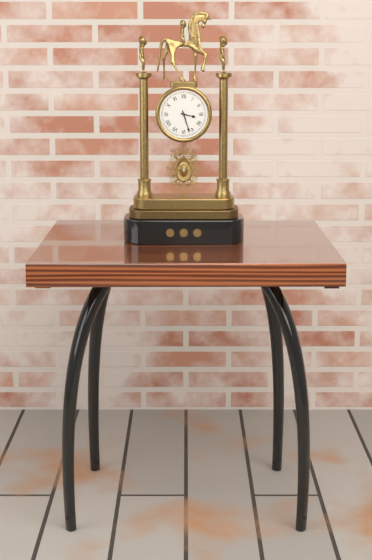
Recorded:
h=3 m=27
